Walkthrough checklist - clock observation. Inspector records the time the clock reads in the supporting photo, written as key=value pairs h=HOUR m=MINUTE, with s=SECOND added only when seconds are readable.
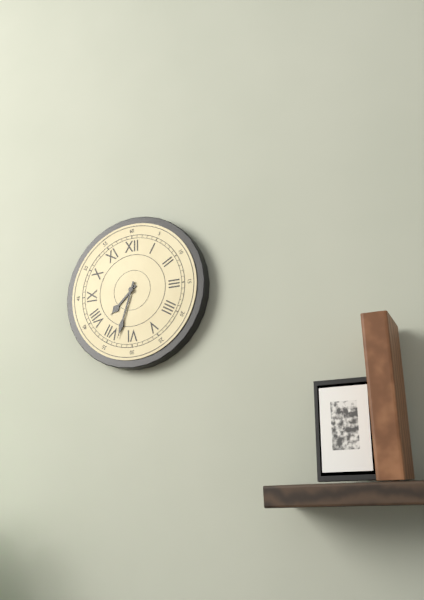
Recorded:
h=7 m=33
